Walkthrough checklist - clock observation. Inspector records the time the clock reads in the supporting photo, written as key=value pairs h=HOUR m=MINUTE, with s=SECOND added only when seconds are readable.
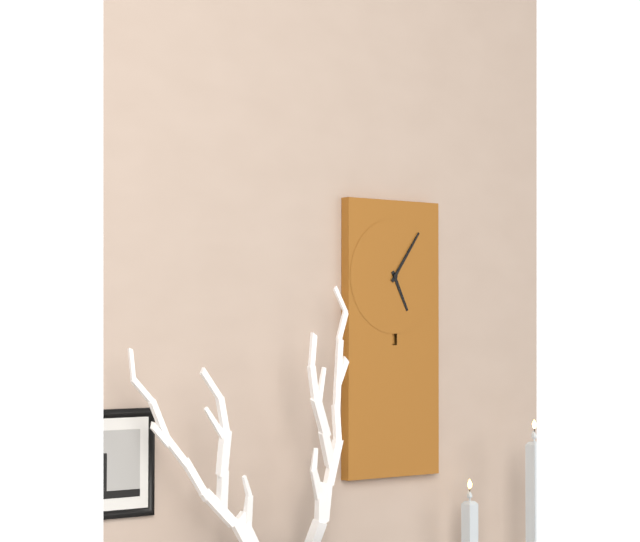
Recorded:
h=5 m=6
